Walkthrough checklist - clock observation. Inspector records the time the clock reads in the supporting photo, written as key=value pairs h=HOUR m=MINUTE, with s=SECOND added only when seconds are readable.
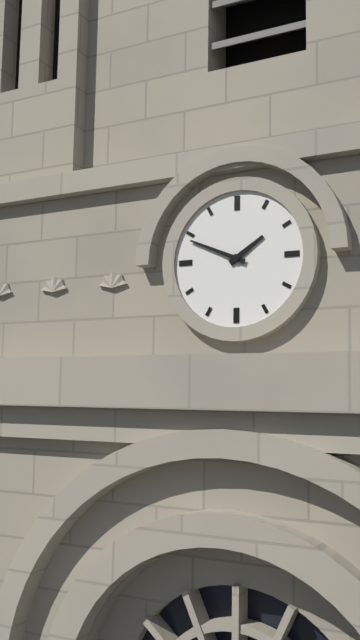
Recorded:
h=1 m=49
